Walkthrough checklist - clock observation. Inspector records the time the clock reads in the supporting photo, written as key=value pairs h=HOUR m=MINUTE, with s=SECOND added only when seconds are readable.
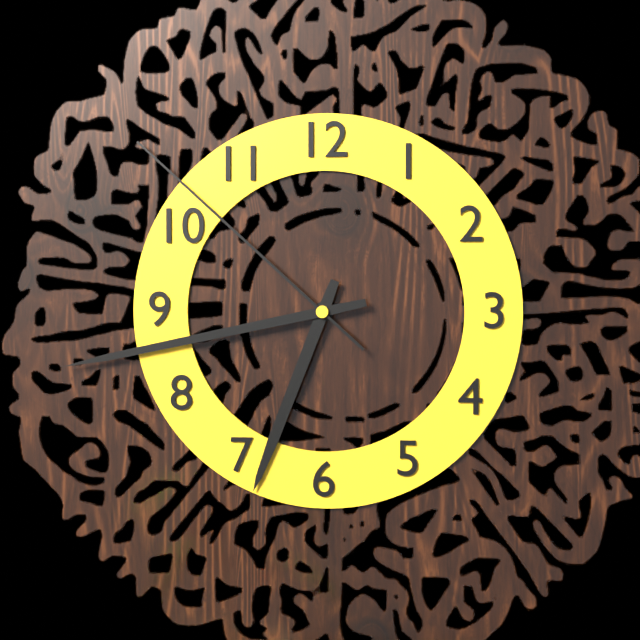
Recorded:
h=6 m=43 s=52
